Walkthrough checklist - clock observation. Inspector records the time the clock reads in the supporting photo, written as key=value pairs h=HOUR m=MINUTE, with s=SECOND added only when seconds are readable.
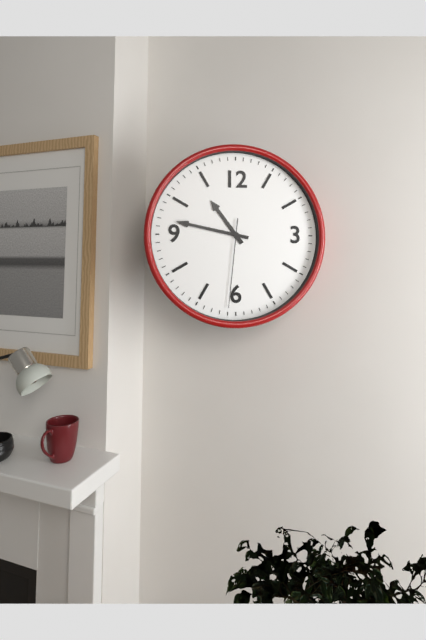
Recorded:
h=10 m=47 s=31
